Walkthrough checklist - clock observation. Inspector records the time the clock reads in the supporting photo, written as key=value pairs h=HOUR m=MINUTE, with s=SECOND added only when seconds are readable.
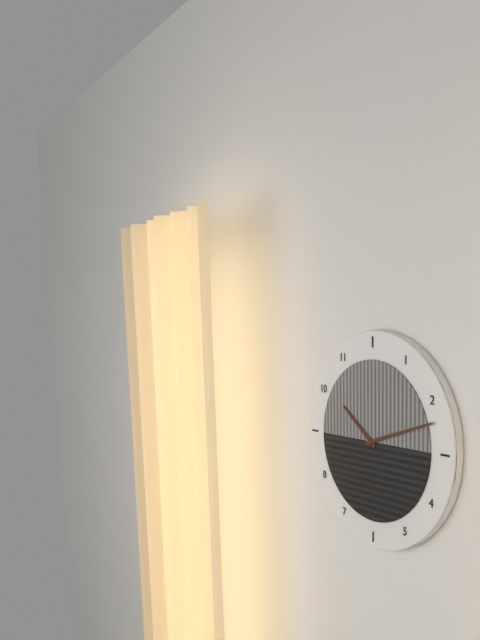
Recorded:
h=10 m=12
